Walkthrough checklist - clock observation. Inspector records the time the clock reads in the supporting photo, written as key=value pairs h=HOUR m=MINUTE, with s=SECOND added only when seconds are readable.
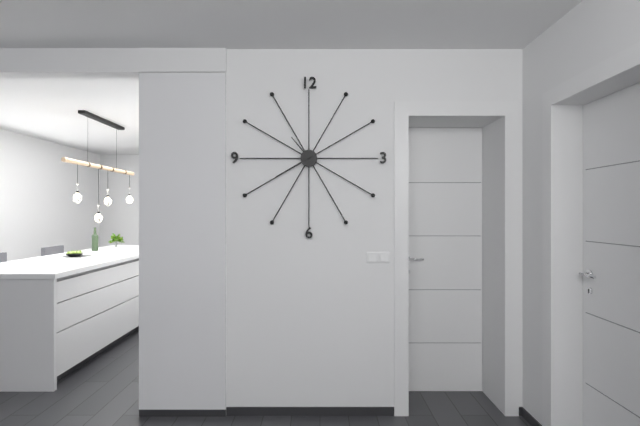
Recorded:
h=10 m=40
